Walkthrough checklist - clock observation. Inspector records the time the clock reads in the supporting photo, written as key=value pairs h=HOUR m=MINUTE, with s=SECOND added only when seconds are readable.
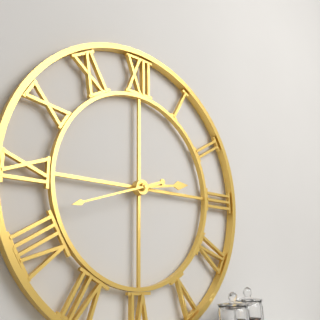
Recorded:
h=2 m=42
